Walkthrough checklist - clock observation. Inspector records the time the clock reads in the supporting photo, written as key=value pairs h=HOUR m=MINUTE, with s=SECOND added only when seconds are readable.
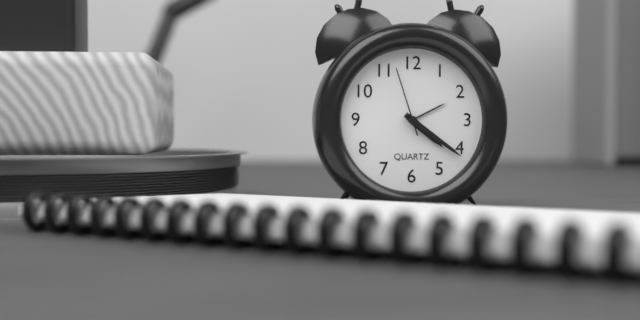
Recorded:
h=4 m=21 s=57
